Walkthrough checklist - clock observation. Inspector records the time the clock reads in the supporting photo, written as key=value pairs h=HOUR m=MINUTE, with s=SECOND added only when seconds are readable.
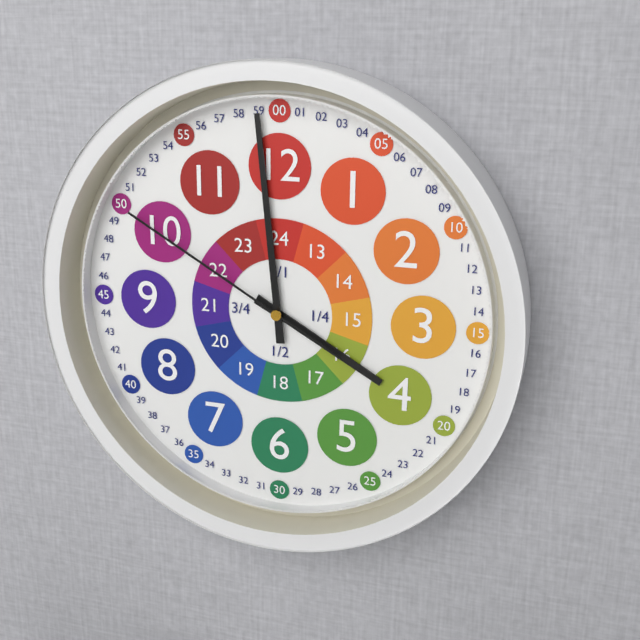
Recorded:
h=3 m=59 s=50
